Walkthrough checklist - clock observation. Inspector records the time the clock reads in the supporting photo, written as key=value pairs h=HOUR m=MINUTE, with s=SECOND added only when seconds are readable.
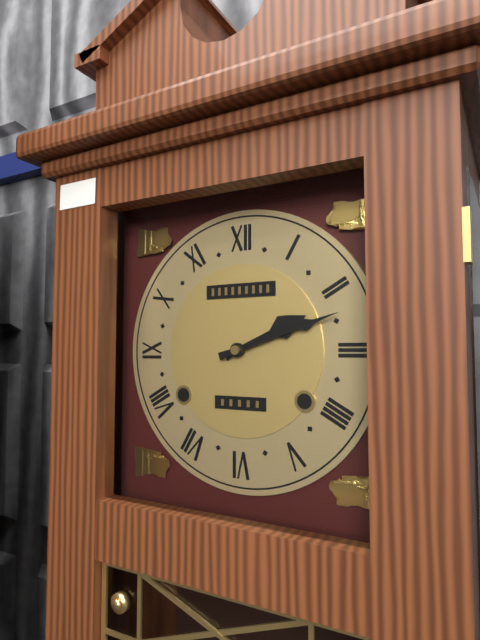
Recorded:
h=2 m=12
